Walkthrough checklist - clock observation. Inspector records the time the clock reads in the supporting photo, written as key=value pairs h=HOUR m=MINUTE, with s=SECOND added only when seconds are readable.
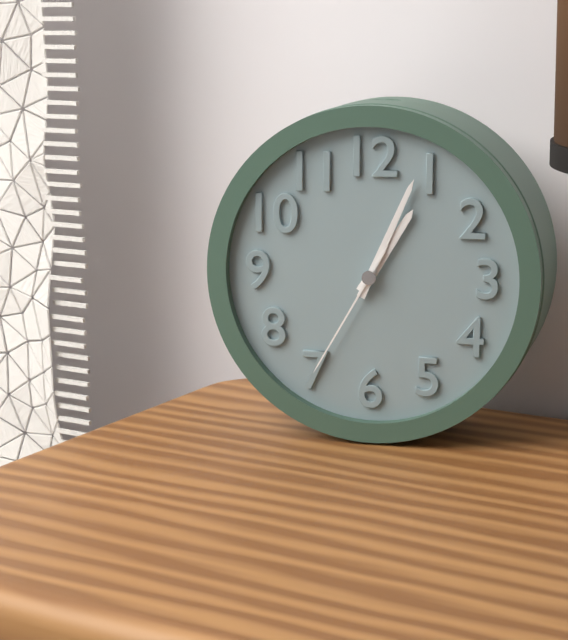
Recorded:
h=1 m=4 s=35
